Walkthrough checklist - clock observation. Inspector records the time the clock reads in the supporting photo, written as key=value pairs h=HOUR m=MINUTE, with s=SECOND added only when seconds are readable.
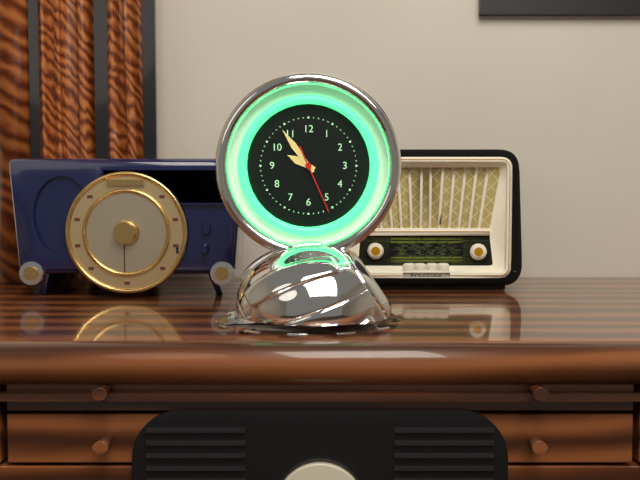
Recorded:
h=9 m=54 s=26
